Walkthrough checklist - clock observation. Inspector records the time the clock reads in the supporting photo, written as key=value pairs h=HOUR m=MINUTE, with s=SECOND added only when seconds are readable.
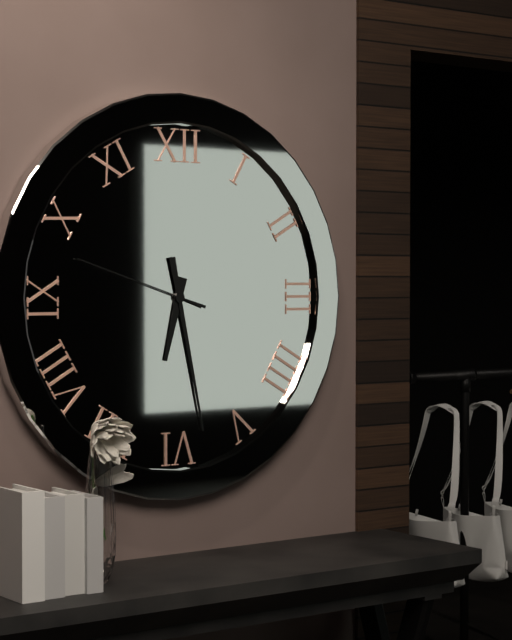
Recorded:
h=6 m=28 s=48
